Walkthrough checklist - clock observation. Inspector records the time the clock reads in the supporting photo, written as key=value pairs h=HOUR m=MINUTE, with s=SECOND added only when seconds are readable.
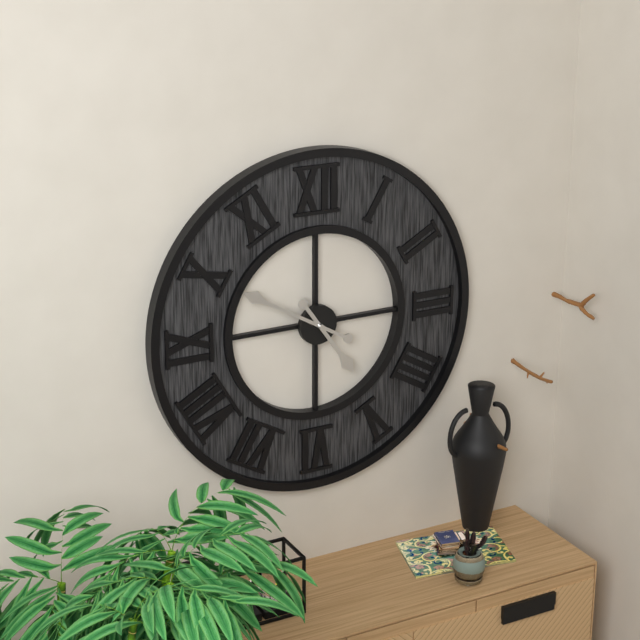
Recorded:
h=4 m=50
